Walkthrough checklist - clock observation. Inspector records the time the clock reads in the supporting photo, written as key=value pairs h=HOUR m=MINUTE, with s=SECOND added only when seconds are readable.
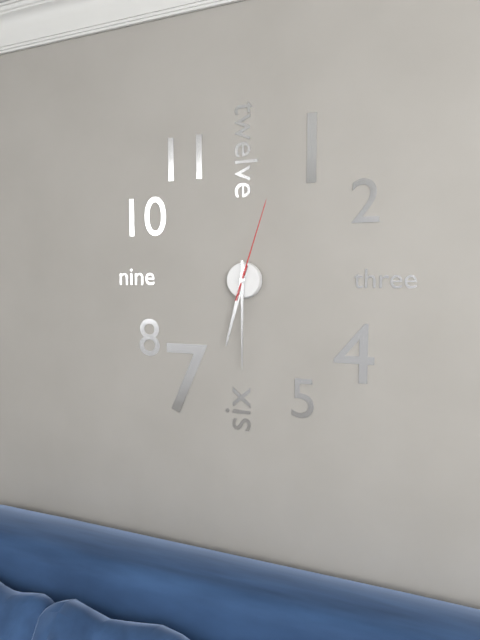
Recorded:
h=6 m=30 s=3
